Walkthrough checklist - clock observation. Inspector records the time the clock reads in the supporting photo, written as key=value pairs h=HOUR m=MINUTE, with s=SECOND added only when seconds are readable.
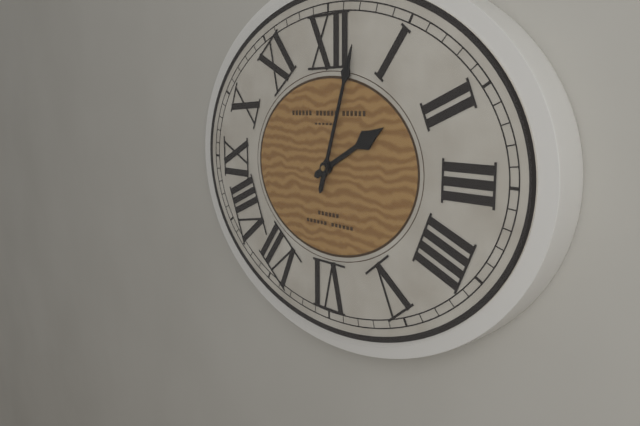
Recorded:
h=2 m=3
